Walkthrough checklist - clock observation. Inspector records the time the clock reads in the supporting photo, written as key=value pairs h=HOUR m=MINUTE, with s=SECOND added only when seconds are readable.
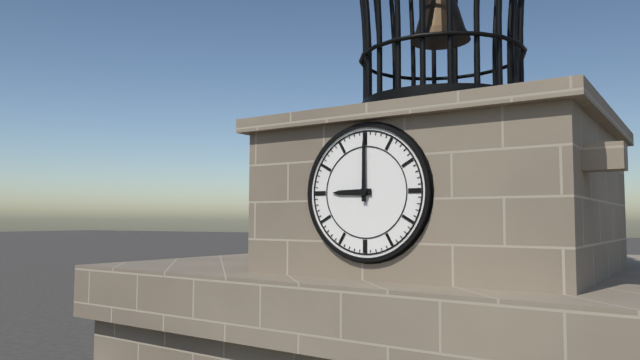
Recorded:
h=9 m=0
